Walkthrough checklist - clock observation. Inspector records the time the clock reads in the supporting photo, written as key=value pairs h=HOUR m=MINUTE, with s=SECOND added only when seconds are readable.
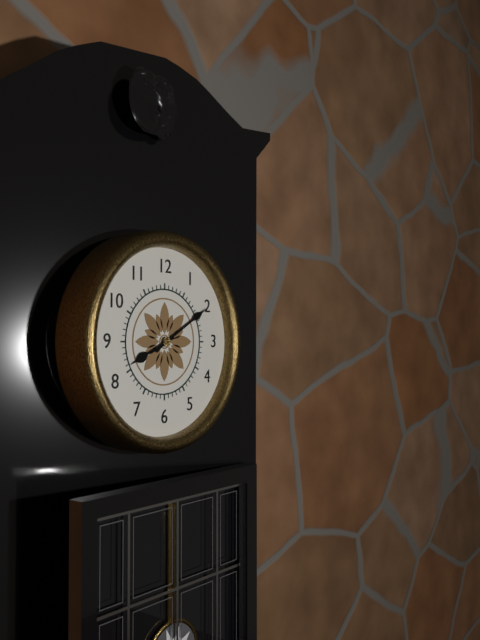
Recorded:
h=8 m=10
